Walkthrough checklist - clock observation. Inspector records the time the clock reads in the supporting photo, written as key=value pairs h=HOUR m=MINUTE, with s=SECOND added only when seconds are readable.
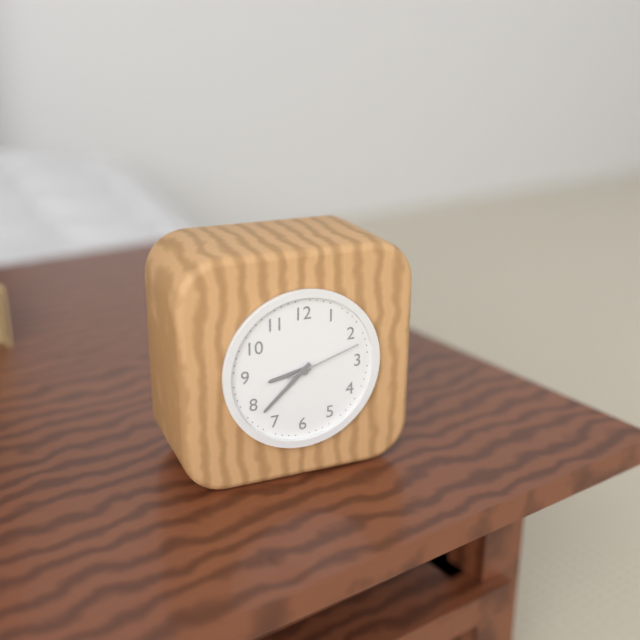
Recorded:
h=8 m=38 s=12
